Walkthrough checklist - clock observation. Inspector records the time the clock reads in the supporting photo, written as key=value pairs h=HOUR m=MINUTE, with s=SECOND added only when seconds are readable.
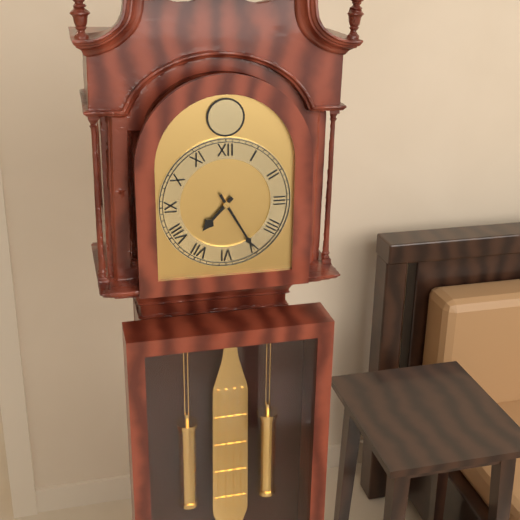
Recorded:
h=7 m=25
